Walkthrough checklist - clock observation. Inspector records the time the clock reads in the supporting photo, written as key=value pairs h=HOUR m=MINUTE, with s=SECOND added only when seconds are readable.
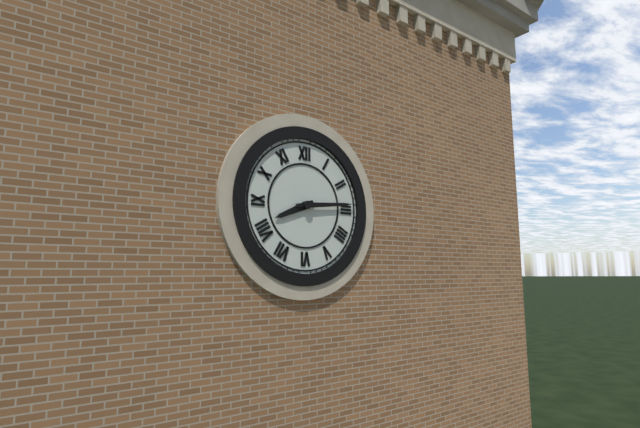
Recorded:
h=8 m=14
